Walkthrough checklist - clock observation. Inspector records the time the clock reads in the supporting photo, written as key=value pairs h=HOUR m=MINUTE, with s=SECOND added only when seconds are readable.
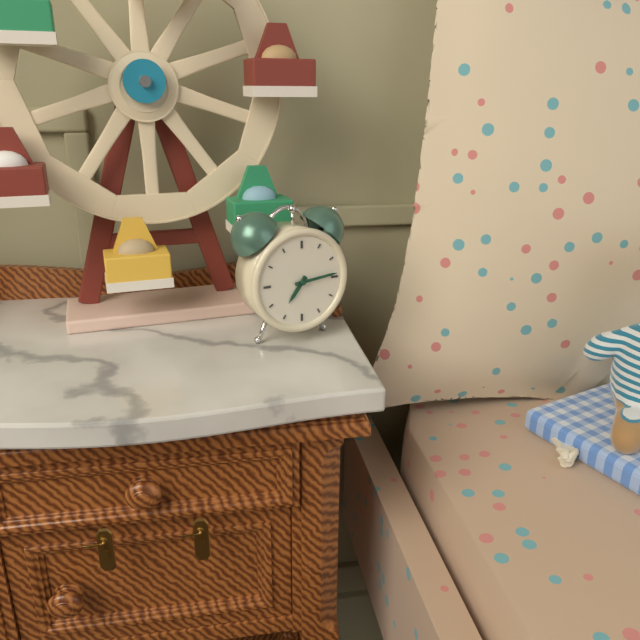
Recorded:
h=7 m=14
